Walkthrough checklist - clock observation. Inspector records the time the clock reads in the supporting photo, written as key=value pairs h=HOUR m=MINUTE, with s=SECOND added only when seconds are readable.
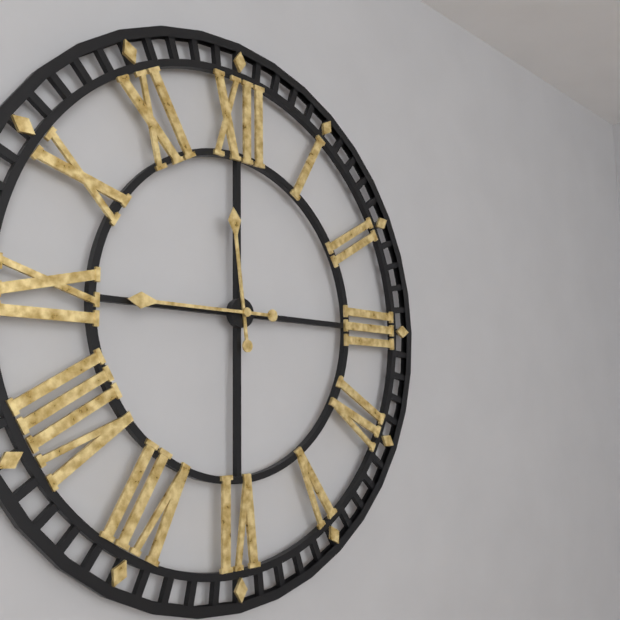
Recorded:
h=11 m=45
